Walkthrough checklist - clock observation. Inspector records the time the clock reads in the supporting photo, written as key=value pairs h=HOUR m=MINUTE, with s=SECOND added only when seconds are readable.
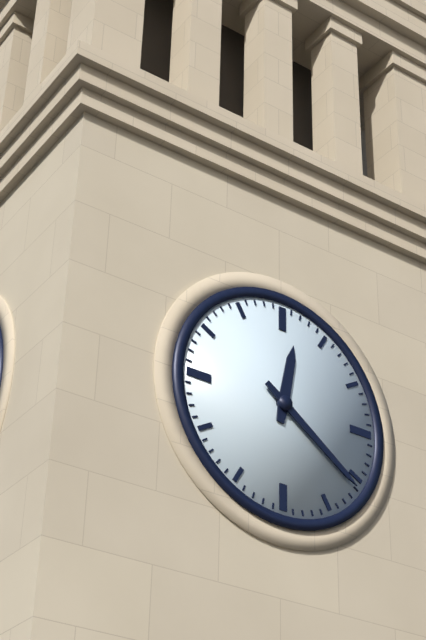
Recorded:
h=12 m=21
